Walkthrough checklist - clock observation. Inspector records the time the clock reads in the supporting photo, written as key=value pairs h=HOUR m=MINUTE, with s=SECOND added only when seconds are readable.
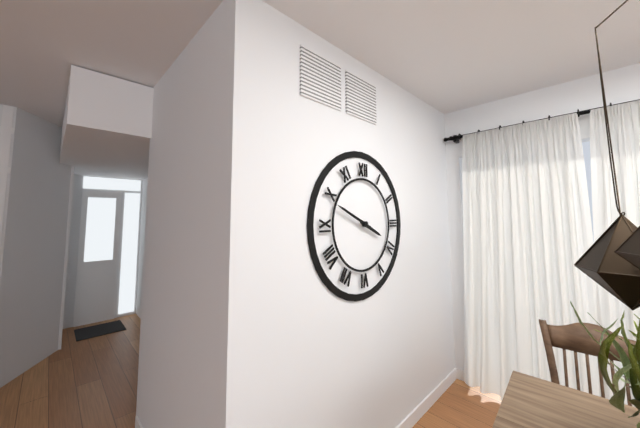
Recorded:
h=3 m=49
